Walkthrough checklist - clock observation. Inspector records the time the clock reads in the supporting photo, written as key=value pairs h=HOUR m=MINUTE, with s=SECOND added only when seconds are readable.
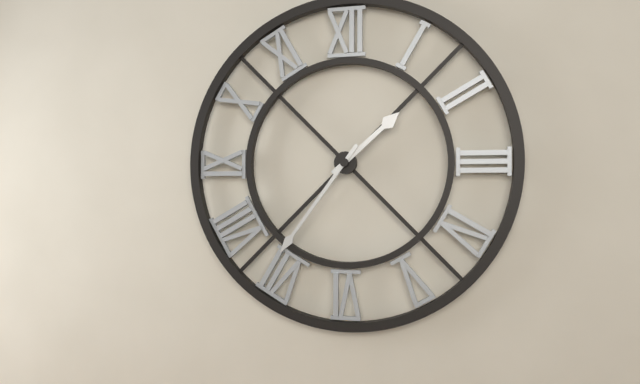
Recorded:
h=1 m=36
